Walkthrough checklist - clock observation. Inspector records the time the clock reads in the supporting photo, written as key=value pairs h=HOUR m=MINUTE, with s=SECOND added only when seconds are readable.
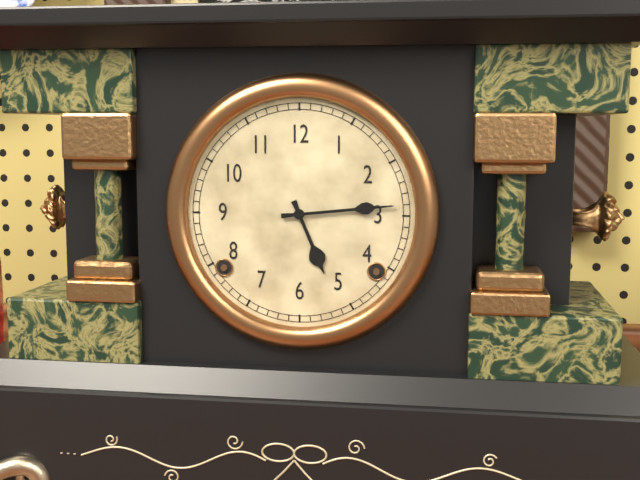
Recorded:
h=5 m=14
